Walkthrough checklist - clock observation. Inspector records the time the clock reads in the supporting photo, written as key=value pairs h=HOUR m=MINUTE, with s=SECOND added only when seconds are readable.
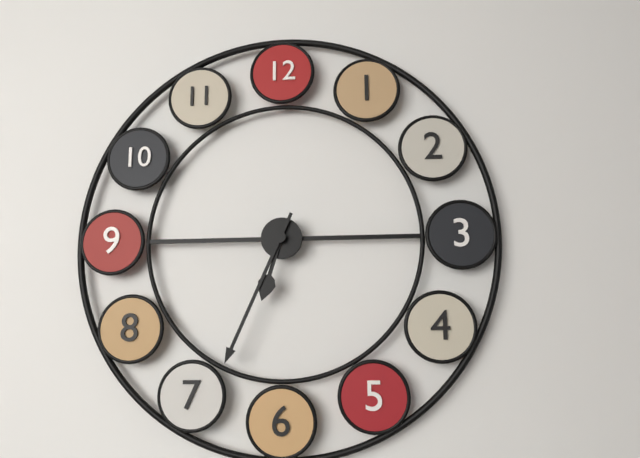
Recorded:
h=6 m=34
